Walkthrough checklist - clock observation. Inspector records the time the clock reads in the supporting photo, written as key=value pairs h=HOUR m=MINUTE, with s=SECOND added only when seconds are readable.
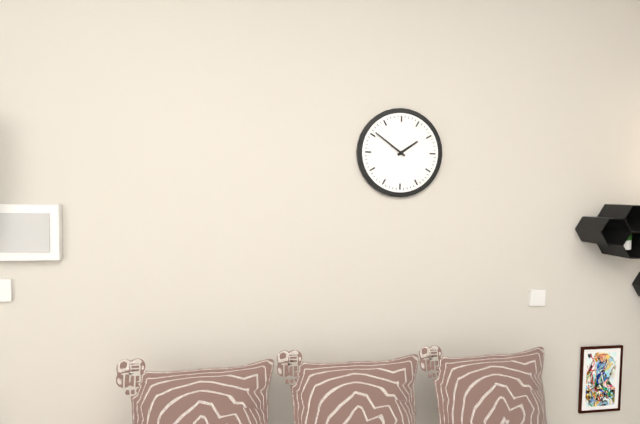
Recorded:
h=1 m=51
